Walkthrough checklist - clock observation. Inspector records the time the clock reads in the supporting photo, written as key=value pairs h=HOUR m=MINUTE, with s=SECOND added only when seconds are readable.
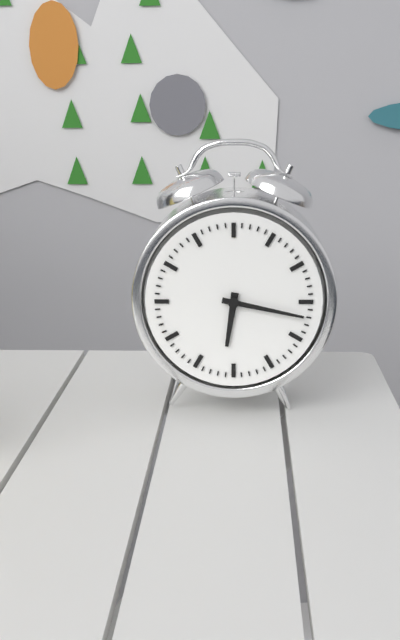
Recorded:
h=6 m=17
